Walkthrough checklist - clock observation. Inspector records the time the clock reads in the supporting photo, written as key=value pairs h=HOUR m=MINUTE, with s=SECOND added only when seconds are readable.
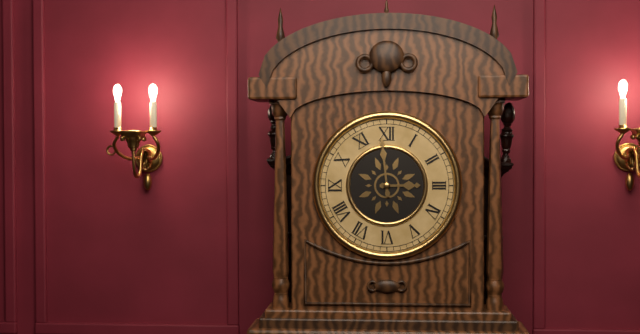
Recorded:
h=2 m=59
